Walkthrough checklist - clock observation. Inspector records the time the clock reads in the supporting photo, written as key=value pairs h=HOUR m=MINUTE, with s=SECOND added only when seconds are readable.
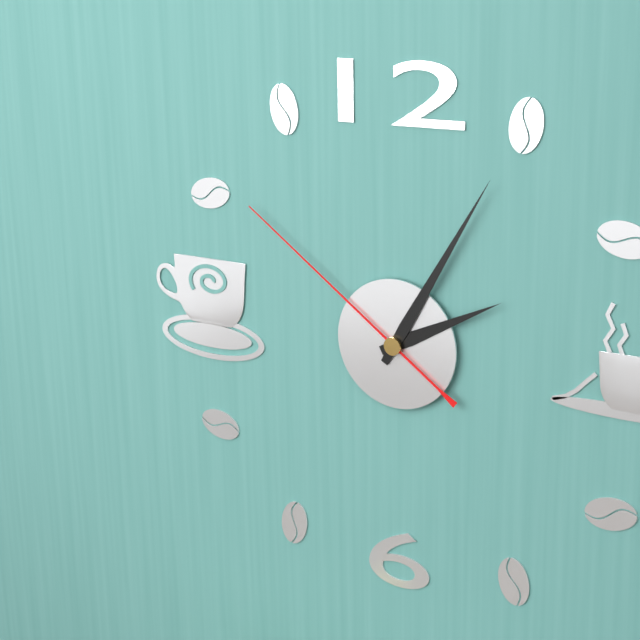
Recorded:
h=2 m=5 s=51
